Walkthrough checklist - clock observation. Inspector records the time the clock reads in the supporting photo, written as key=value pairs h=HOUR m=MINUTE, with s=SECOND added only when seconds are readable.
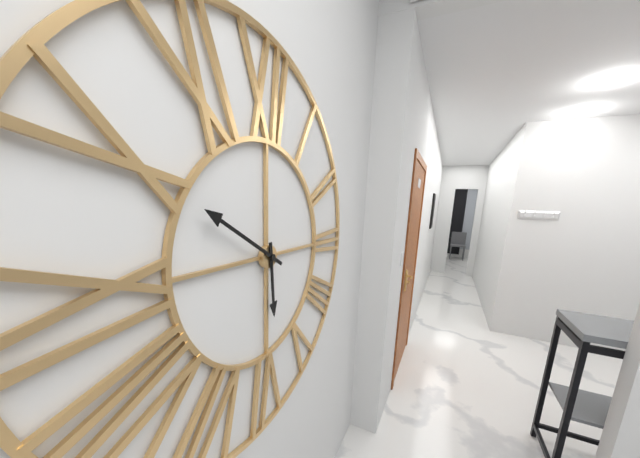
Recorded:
h=5 m=50
